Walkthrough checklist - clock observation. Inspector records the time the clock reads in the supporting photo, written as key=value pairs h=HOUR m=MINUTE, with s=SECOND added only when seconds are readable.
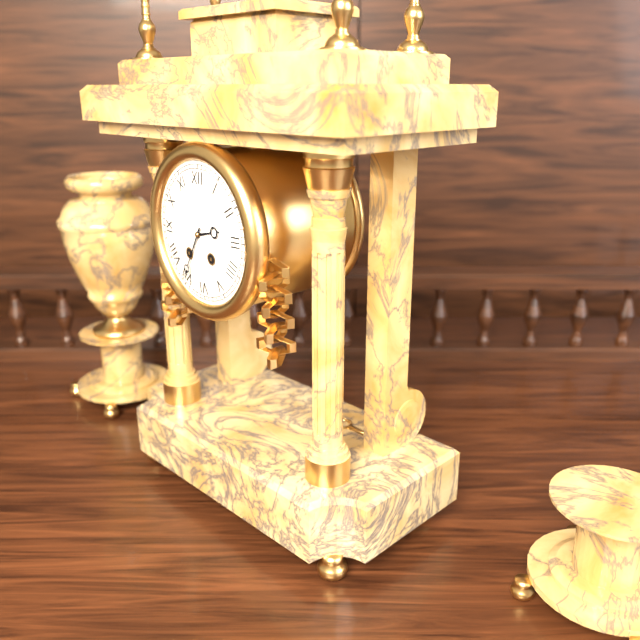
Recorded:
h=2 m=35
